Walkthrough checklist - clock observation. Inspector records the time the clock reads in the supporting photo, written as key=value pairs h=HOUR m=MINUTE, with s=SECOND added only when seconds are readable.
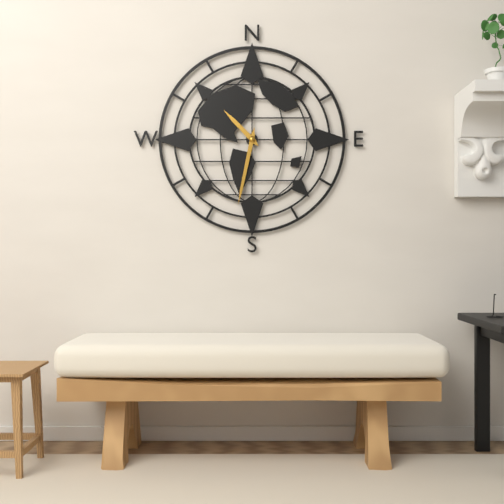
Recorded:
h=10 m=32
